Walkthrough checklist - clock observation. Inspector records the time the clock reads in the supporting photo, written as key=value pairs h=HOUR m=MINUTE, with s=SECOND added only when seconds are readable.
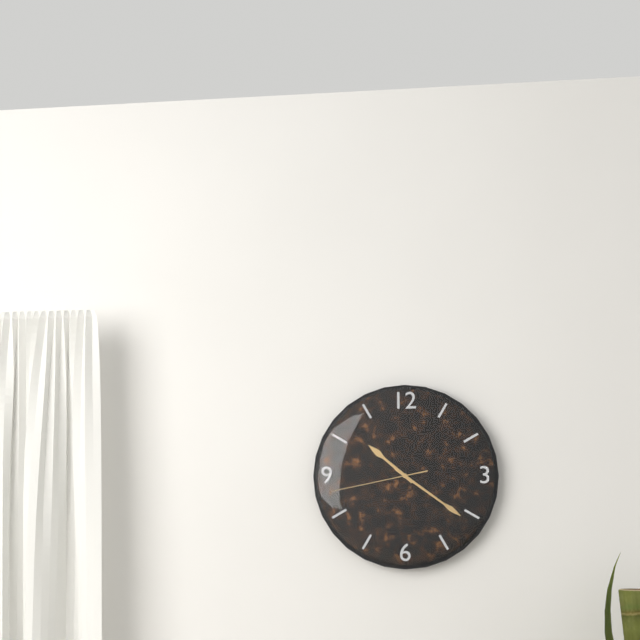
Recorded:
h=10 m=21 s=43
